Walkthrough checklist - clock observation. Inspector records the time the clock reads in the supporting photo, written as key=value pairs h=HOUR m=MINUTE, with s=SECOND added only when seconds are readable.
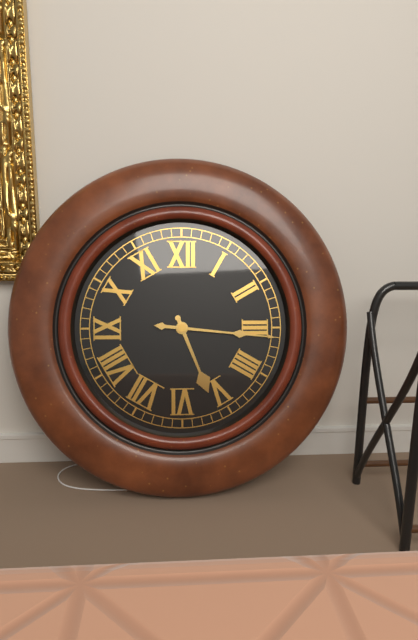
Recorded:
h=5 m=16
